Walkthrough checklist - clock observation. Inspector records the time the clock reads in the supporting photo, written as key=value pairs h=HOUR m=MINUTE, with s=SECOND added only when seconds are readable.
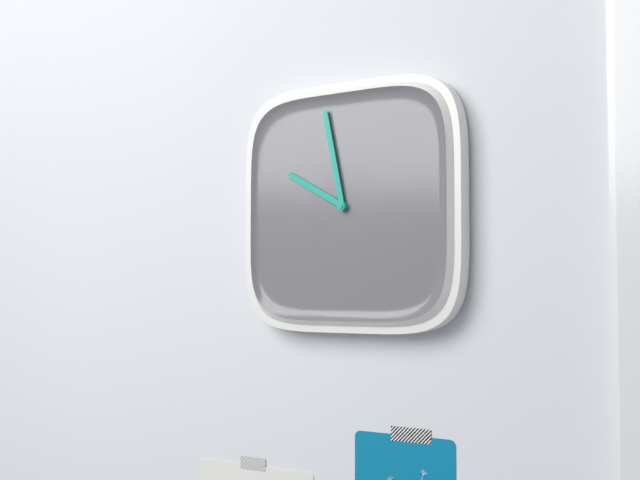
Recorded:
h=9 m=58
